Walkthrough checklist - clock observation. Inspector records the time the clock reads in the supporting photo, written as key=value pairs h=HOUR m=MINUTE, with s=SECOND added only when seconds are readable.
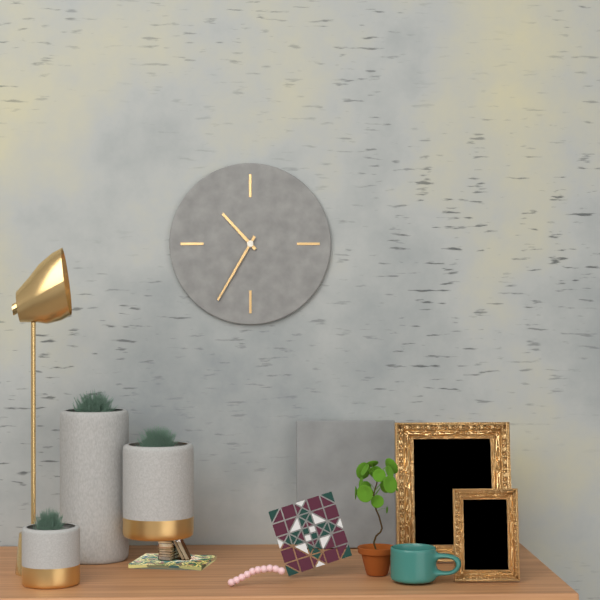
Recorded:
h=10 m=35
